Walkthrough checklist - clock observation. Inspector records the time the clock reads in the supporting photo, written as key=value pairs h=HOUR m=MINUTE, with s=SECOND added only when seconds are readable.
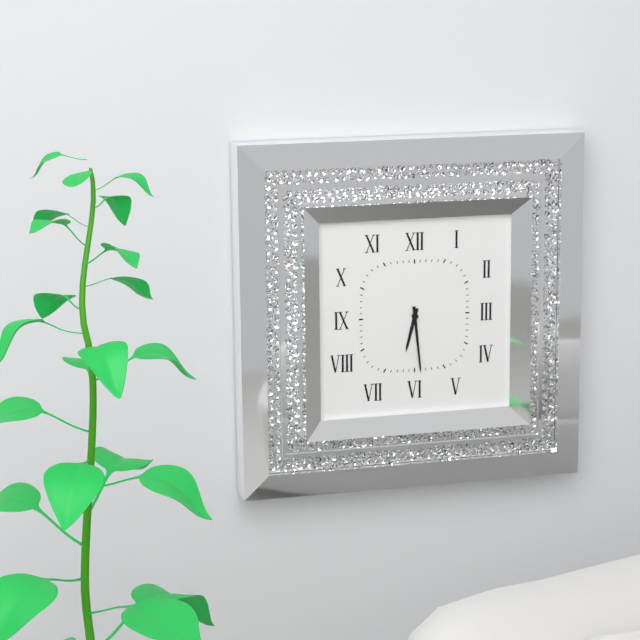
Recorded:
h=6 m=29
